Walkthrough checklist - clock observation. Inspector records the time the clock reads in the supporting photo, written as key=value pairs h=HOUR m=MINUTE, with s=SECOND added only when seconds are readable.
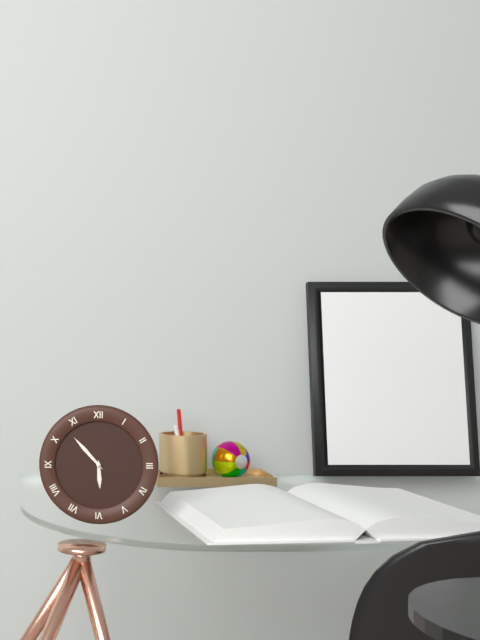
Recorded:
h=5 m=53
